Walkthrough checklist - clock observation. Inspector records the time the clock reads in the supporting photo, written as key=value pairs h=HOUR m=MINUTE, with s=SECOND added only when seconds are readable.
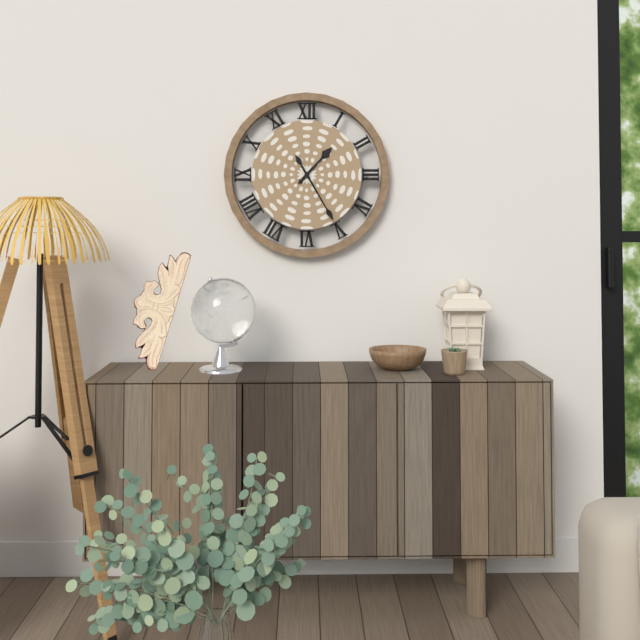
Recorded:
h=1 m=25
